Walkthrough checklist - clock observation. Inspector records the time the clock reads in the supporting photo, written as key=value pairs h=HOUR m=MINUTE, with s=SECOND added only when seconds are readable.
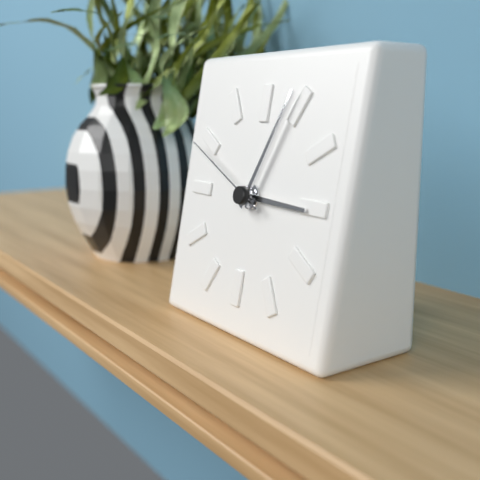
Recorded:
h=3 m=4 s=49
